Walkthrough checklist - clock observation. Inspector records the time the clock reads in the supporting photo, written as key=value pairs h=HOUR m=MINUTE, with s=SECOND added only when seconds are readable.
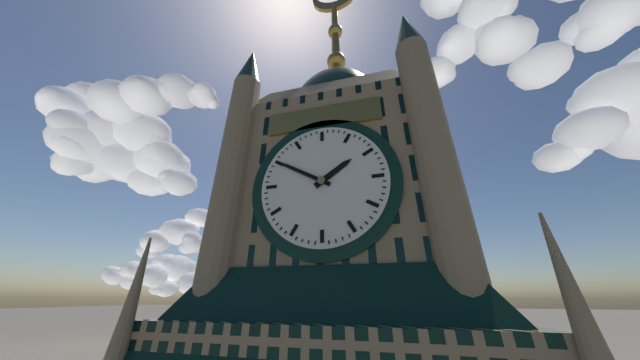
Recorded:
h=1 m=50
